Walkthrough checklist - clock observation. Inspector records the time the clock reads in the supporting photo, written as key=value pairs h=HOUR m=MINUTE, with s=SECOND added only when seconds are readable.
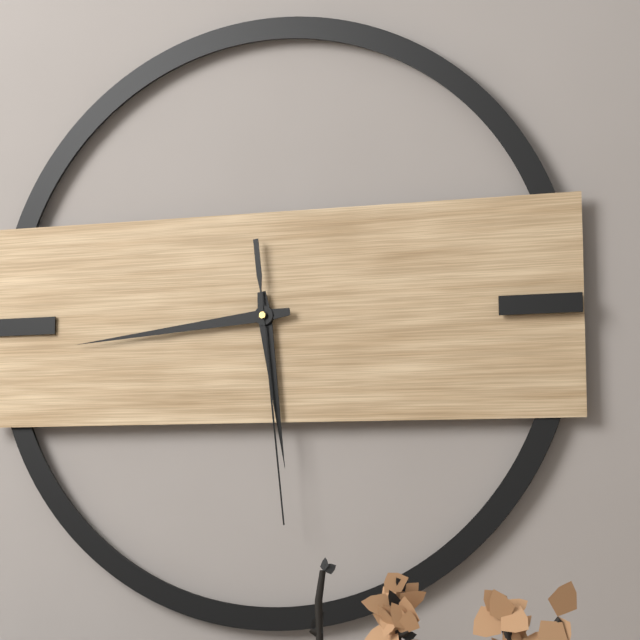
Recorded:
h=5 m=44 s=29
